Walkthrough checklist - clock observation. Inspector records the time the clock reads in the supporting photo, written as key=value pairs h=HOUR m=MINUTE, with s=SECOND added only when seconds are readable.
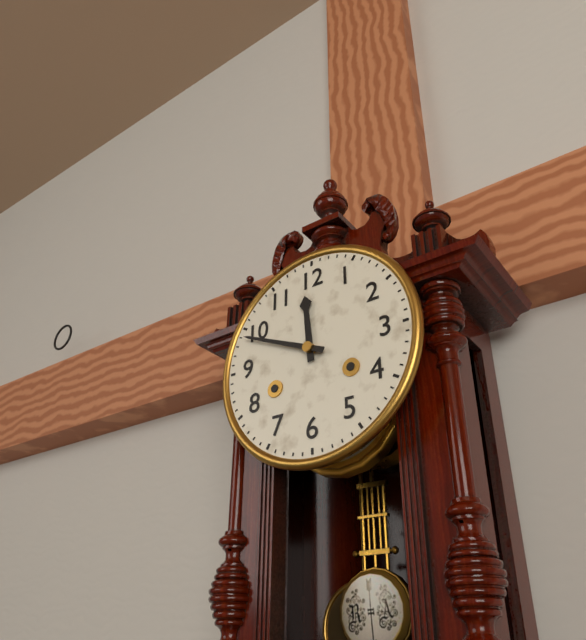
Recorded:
h=11 m=49
